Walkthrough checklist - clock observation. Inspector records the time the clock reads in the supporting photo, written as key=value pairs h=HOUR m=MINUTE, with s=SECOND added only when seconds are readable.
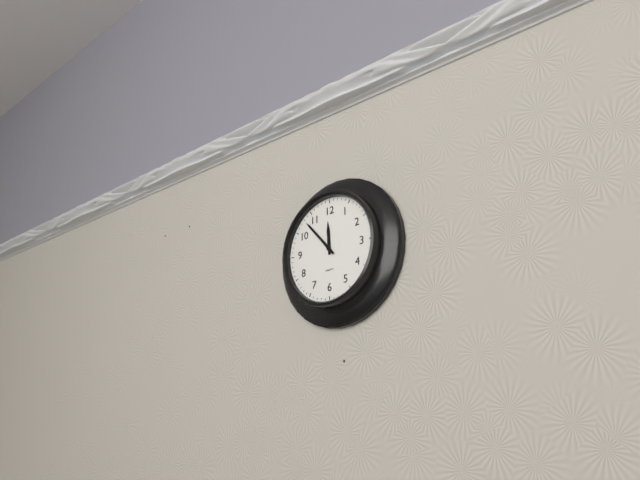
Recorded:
h=11 m=53
